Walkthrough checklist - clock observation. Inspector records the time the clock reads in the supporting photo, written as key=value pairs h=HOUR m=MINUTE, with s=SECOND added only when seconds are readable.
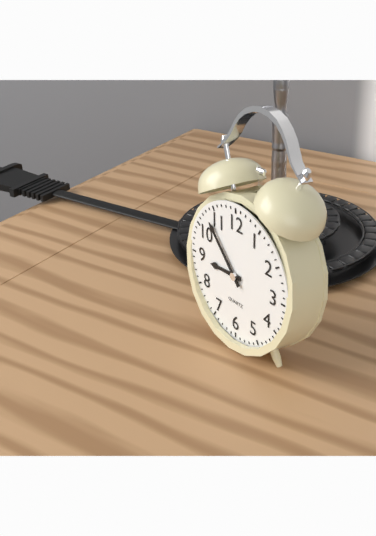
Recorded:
h=8 m=53
